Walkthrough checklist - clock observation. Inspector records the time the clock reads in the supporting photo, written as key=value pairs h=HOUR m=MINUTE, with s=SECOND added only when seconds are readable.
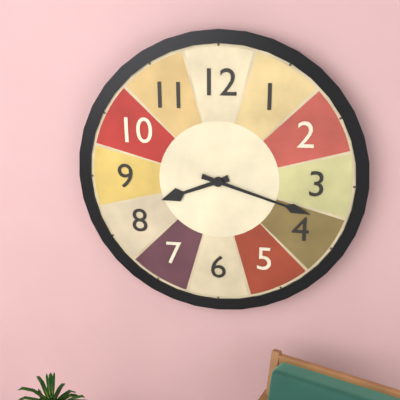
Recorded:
h=8 m=18
